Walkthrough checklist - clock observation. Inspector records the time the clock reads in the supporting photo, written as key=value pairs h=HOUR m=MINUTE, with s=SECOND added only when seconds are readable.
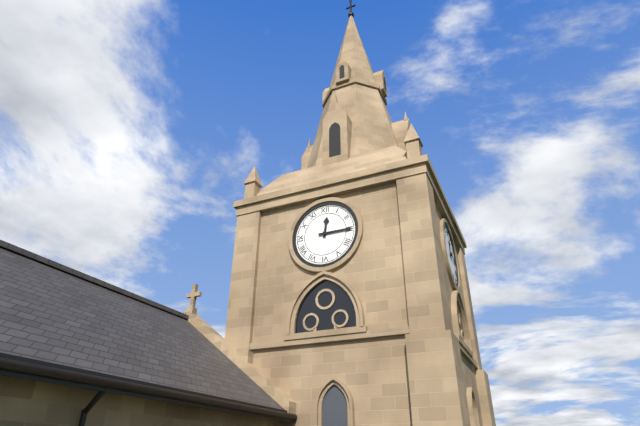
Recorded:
h=12 m=15
